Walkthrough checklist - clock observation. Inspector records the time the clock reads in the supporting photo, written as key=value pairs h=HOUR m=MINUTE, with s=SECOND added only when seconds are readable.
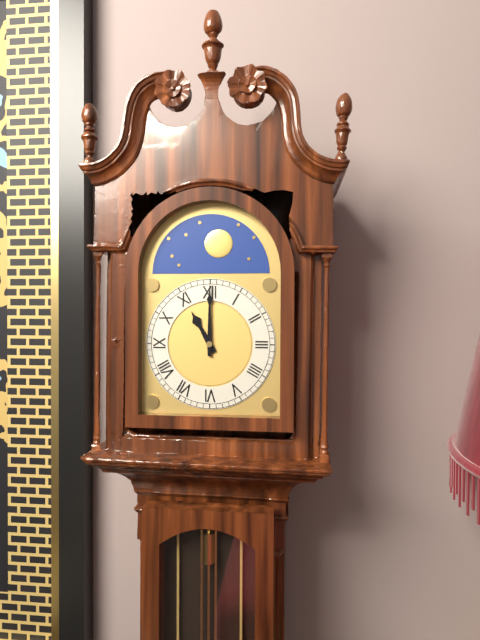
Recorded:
h=11 m=0
